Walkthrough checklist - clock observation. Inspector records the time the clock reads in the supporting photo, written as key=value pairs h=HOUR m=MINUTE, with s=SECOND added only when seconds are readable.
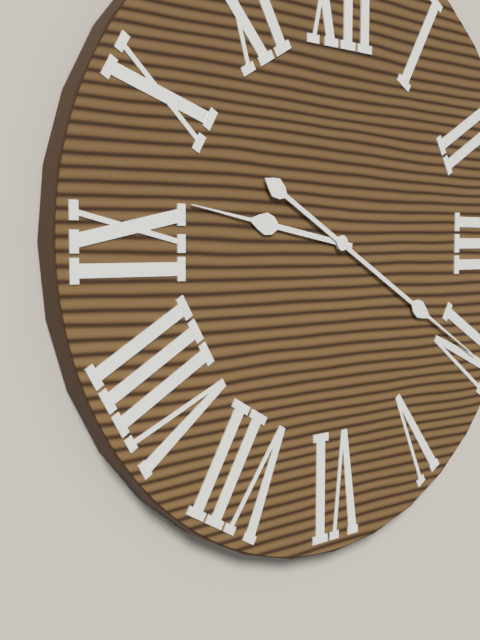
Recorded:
h=9 m=20
